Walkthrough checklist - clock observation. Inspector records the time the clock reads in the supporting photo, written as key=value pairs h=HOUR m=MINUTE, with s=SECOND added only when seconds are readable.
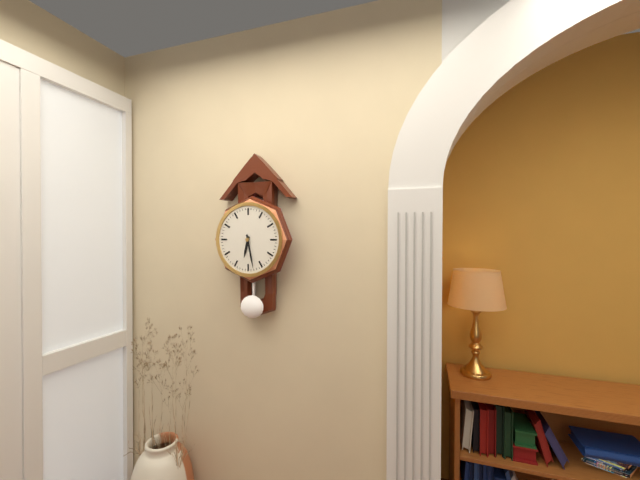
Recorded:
h=6 m=28
